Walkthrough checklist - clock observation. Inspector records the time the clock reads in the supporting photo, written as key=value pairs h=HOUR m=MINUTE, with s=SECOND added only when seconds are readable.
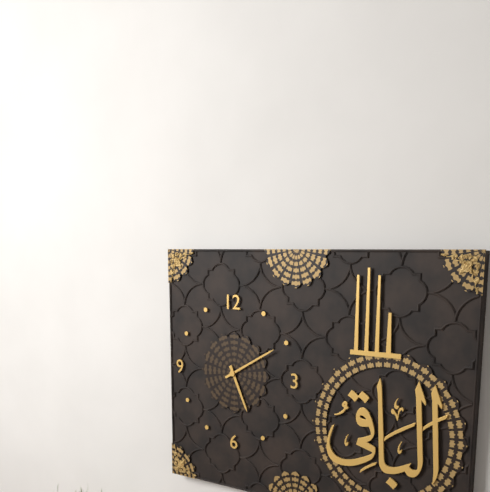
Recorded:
h=5 m=10
